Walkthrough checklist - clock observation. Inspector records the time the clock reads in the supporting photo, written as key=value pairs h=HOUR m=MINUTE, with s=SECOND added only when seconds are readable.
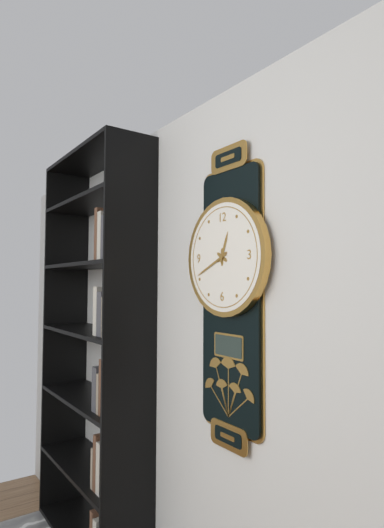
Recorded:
h=12 m=41
